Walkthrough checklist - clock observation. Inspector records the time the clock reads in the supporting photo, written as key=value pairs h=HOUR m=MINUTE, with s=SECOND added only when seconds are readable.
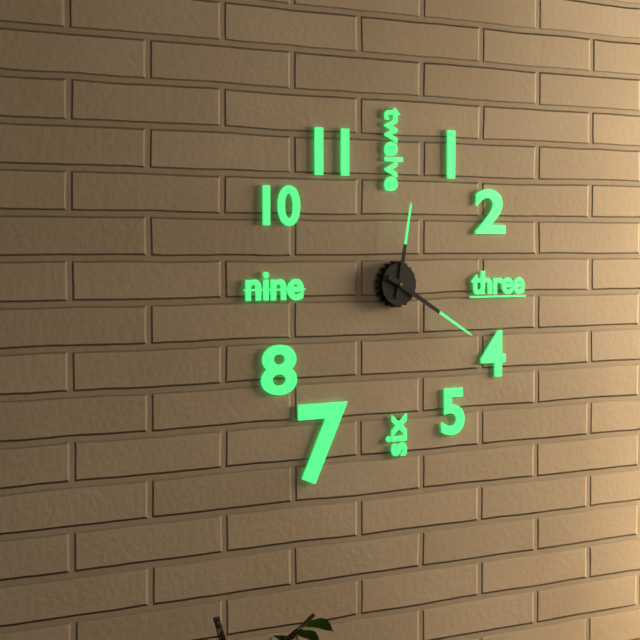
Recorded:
h=12 m=20
